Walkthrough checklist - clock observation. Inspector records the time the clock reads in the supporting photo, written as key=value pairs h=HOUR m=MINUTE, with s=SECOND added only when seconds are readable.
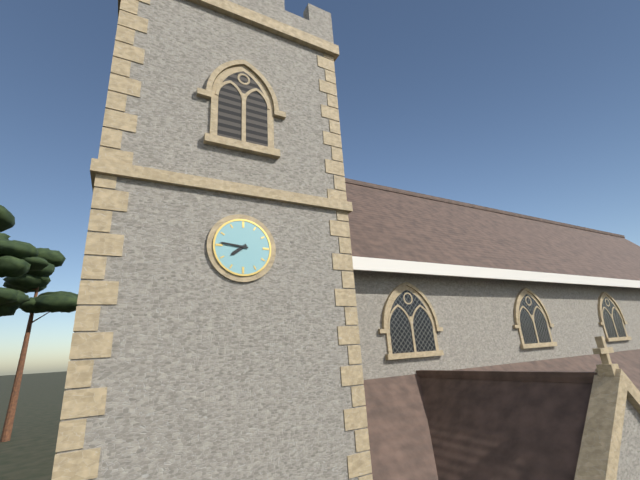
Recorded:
h=7 m=46
